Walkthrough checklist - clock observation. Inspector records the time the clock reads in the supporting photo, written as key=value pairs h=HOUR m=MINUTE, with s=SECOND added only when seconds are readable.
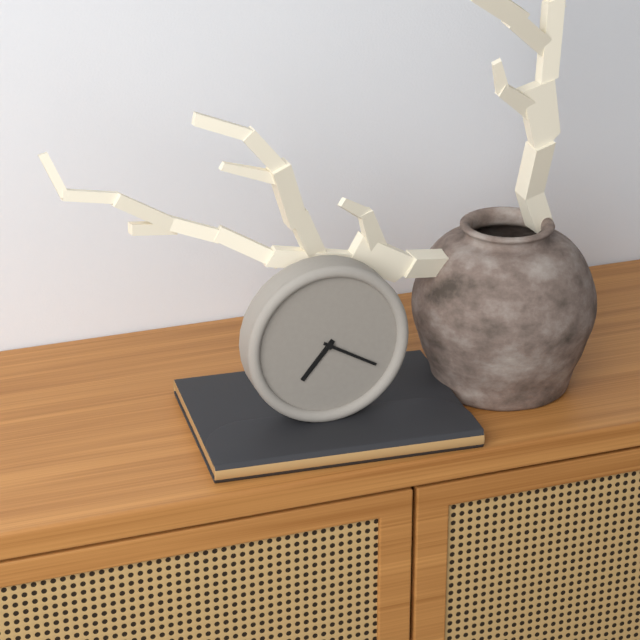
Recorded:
h=7 m=20
